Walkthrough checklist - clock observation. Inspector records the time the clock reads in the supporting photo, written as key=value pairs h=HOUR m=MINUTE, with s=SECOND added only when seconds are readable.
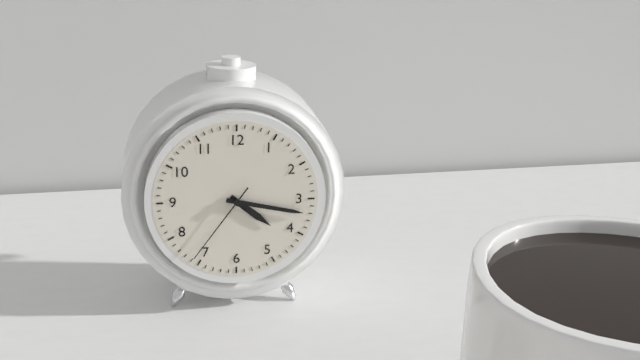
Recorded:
h=4 m=17 s=36
